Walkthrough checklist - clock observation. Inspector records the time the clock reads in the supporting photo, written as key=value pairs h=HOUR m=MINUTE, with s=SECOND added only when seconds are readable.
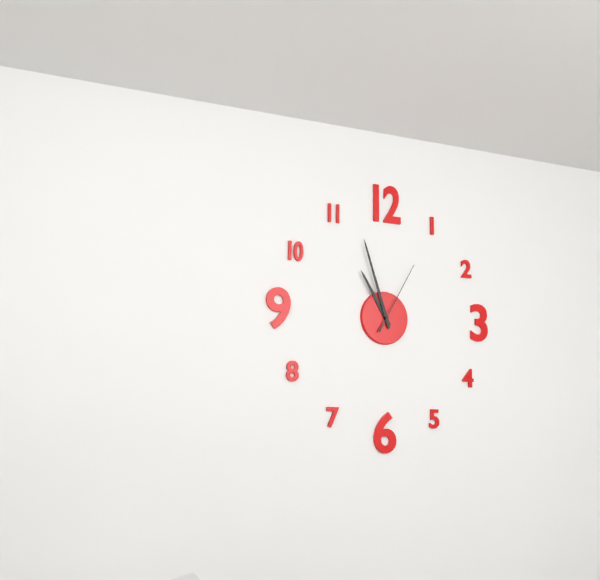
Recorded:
h=10 m=57 s=5
